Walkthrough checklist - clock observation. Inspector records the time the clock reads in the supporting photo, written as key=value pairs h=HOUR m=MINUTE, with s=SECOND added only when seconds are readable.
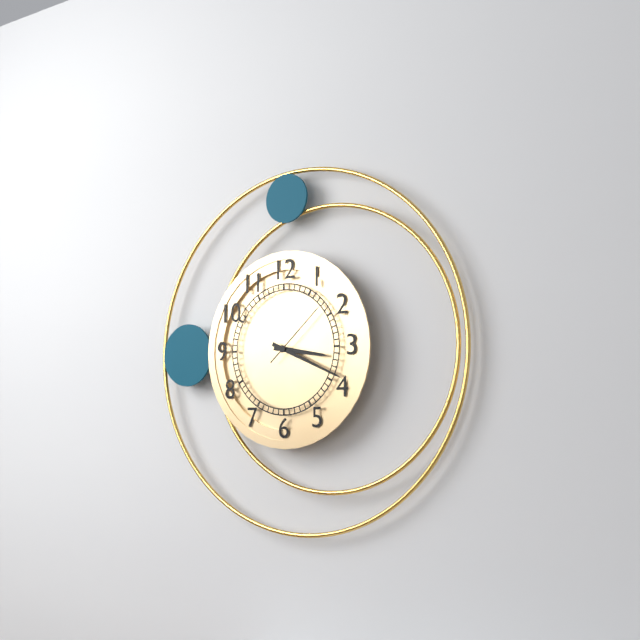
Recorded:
h=3 m=19 s=8
